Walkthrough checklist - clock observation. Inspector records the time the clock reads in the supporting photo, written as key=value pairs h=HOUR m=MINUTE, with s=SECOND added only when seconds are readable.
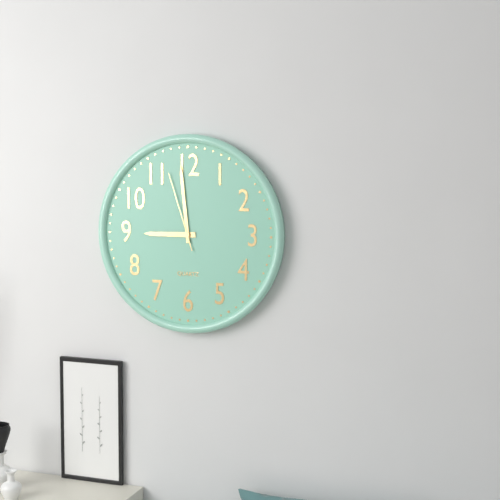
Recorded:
h=8 m=59 s=57
